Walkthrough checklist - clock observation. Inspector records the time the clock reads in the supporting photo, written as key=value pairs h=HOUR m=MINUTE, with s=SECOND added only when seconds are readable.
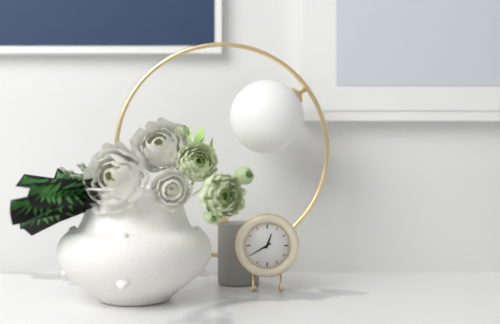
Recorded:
h=12 m=40
